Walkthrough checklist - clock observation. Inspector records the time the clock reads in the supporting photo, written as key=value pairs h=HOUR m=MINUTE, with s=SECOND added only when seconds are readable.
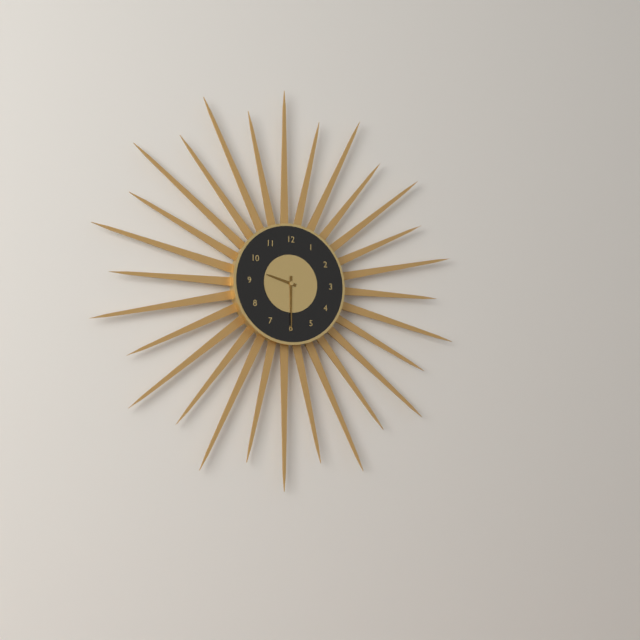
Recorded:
h=9 m=30
